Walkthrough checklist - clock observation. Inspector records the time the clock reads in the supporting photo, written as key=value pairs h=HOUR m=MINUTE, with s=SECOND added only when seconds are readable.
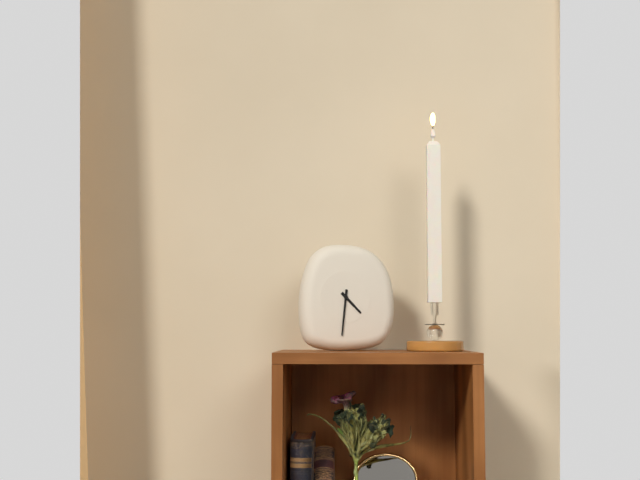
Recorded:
h=4 m=31
